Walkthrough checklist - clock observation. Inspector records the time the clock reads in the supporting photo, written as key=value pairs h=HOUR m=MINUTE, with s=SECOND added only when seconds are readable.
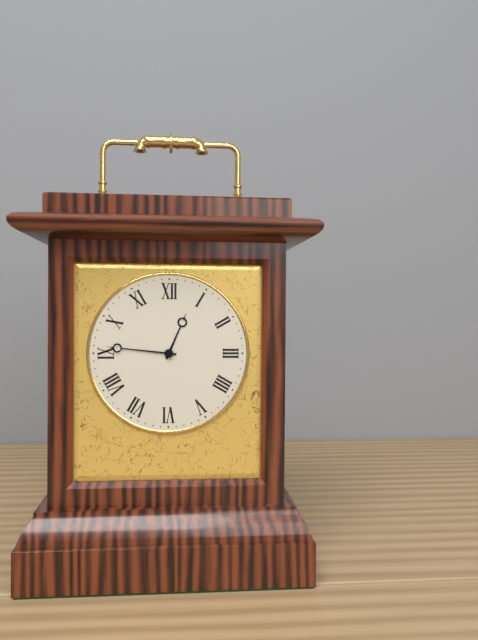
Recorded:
h=12 m=46
